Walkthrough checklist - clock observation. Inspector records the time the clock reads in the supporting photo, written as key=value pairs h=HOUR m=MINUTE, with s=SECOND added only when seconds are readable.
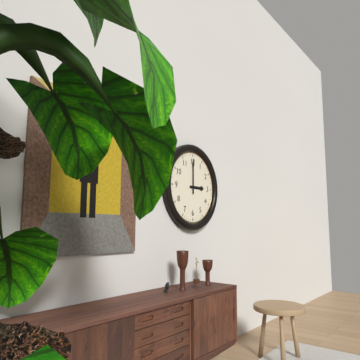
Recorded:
h=3 m=0
